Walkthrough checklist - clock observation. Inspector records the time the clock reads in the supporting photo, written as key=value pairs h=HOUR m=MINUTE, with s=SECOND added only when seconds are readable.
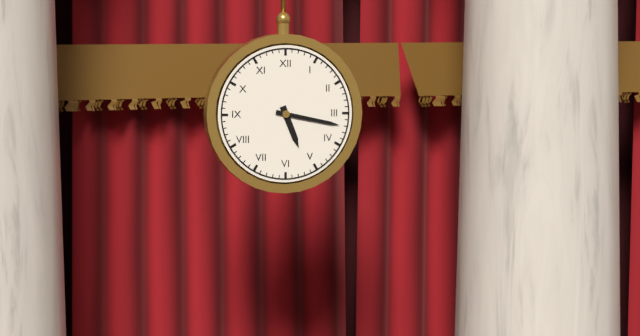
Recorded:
h=5 m=17
